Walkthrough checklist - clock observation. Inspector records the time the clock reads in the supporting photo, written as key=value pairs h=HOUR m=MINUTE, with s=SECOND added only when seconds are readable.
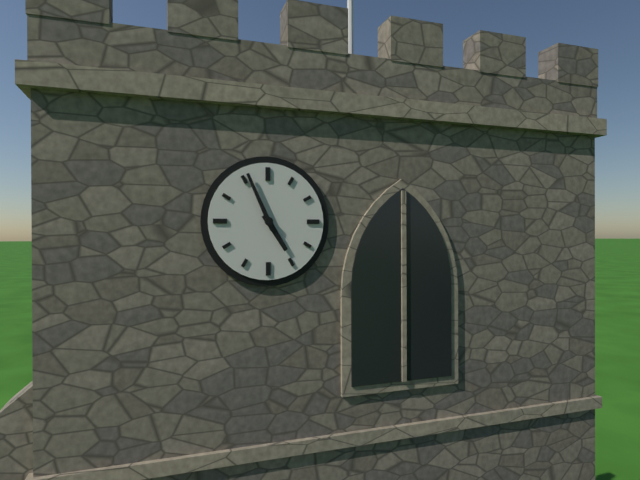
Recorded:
h=4 m=56
